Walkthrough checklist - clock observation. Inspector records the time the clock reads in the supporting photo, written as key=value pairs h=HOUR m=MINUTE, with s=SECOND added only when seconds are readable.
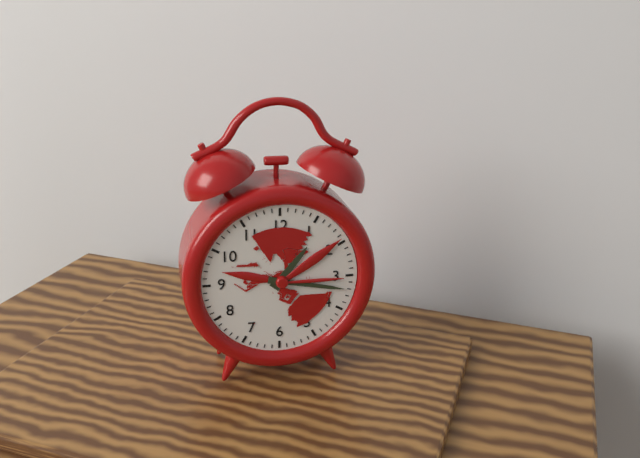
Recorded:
h=1 m=17
